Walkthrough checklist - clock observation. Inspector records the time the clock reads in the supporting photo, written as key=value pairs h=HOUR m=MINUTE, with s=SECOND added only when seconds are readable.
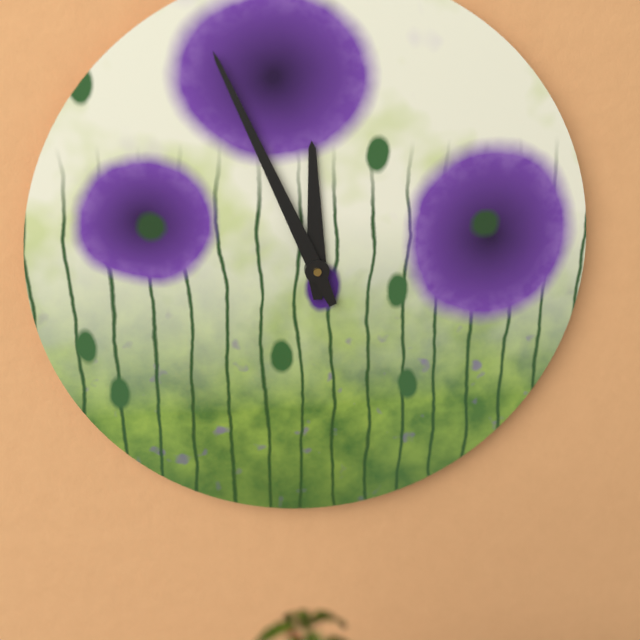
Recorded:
h=11 m=56
